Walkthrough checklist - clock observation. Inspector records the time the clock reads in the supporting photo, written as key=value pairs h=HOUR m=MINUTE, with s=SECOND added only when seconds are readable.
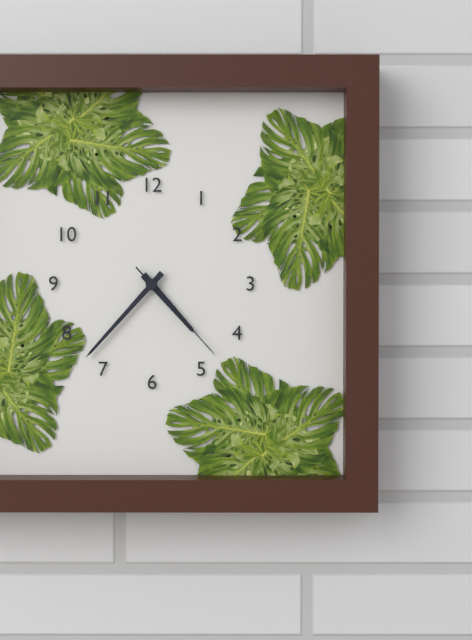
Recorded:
h=4 m=37 s=23
